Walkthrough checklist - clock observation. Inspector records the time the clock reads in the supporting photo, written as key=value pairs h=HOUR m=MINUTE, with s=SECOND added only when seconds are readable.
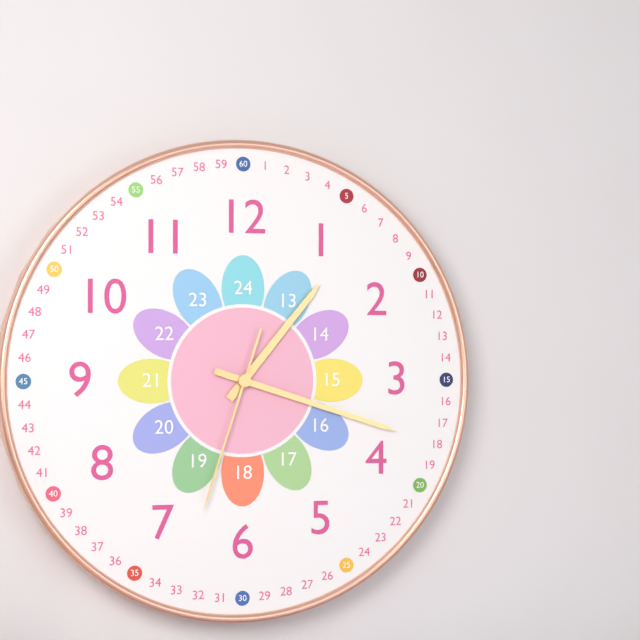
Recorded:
h=1 m=18 s=33
